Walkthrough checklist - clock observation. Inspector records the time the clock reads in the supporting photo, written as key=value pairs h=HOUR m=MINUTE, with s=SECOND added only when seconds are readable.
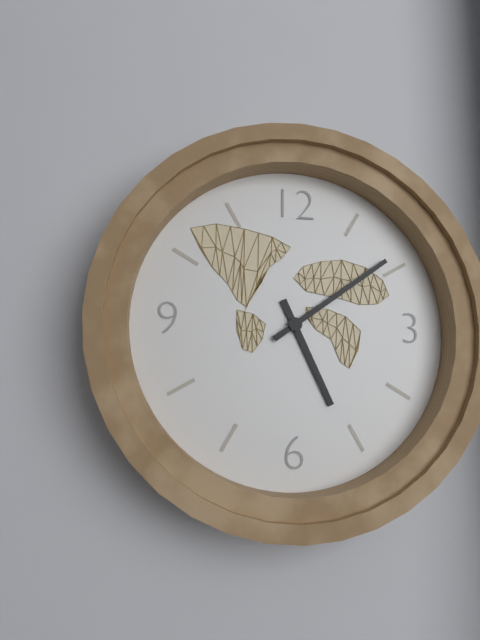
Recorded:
h=5 m=9
